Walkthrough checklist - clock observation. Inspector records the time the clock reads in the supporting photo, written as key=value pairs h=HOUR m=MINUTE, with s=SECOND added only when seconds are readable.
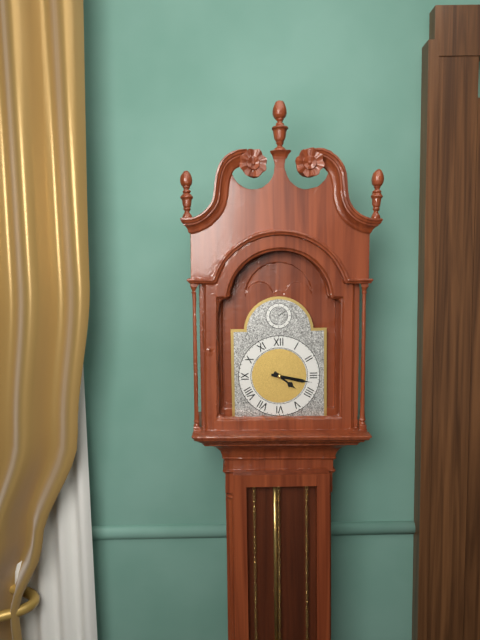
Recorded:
h=4 m=17
